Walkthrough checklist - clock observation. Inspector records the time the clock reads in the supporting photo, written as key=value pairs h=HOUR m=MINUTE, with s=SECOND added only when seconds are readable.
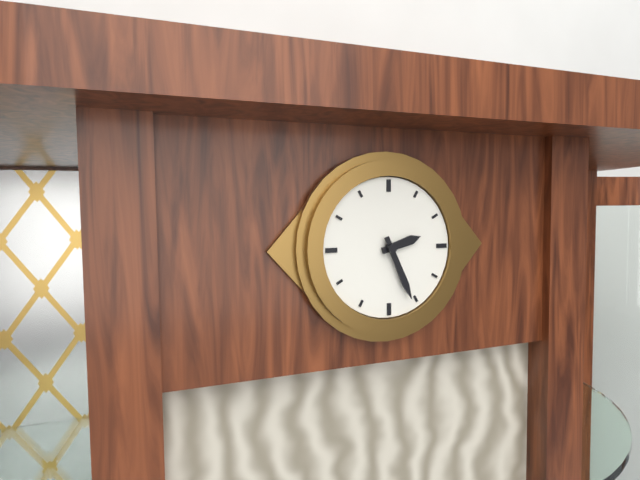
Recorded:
h=2 m=26
